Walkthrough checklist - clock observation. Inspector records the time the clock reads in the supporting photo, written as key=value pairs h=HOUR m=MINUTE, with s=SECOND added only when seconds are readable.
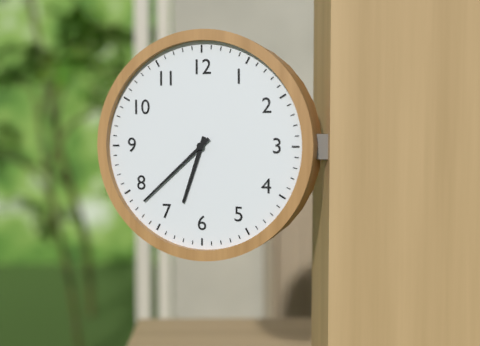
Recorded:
h=6 m=38
